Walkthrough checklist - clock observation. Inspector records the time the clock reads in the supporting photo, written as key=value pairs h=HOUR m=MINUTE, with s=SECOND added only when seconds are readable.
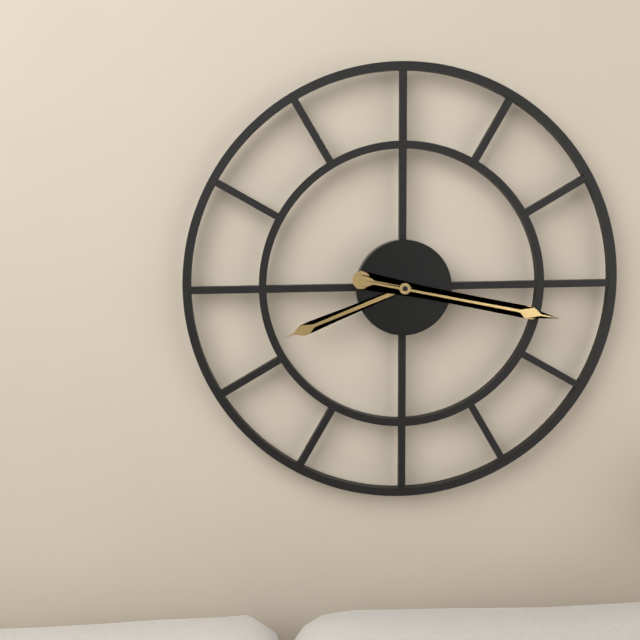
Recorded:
h=8 m=17
